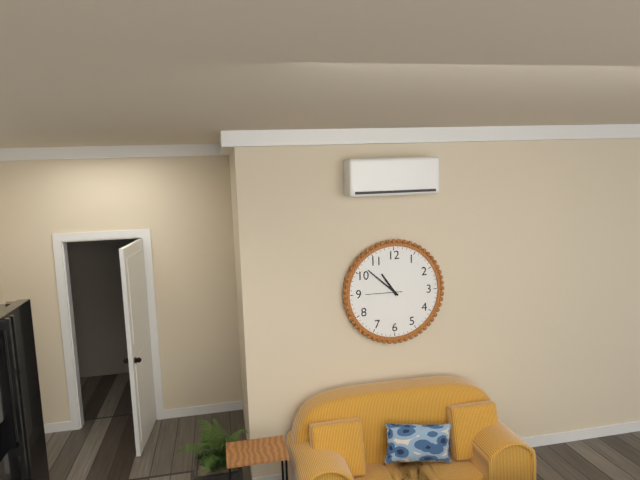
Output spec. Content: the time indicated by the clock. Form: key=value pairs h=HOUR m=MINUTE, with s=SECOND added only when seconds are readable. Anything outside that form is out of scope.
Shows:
h=10 m=52
